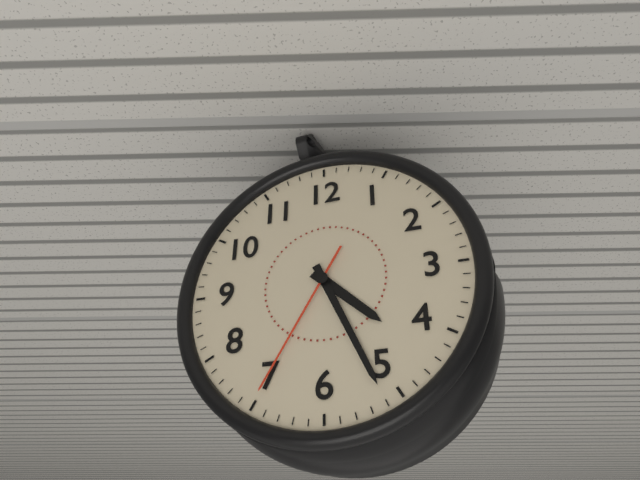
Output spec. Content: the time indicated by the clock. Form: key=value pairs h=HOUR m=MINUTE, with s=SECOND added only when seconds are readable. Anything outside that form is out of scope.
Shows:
h=4 m=26 s=35
